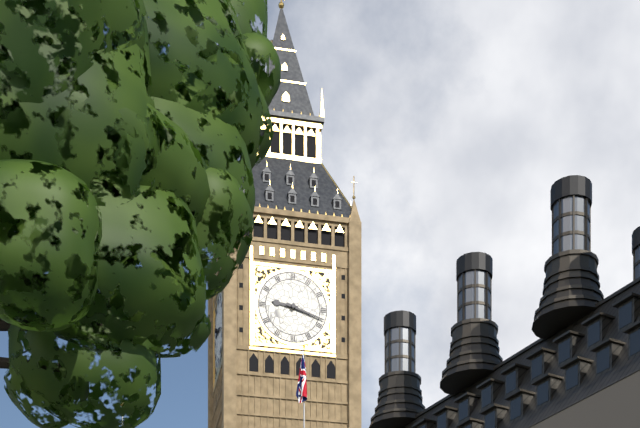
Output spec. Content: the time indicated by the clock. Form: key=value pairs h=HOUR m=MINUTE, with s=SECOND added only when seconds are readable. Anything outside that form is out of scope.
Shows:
h=9 m=18
